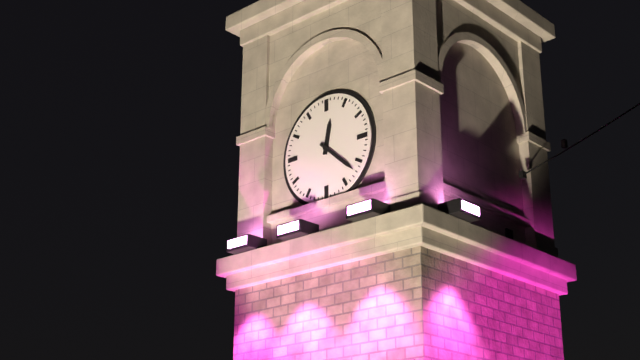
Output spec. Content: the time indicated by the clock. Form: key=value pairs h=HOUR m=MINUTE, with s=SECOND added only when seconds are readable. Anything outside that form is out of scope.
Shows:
h=12 m=22
